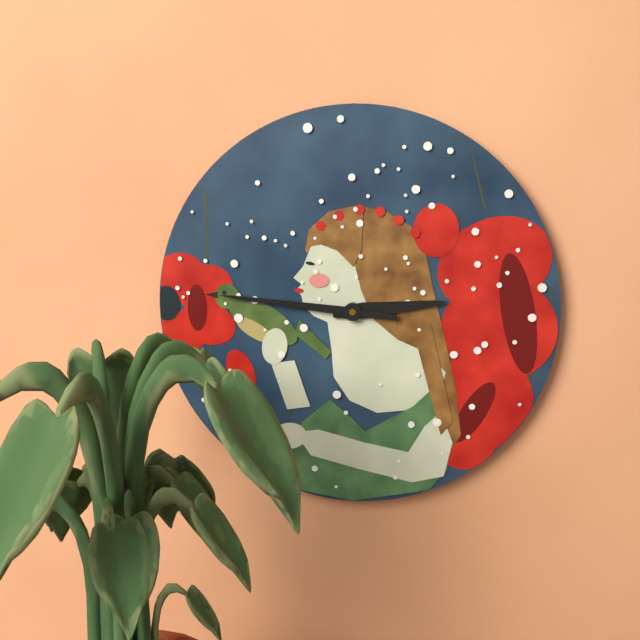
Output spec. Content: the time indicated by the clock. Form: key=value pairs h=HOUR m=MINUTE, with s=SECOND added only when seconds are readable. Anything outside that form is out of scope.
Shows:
h=2 m=46
